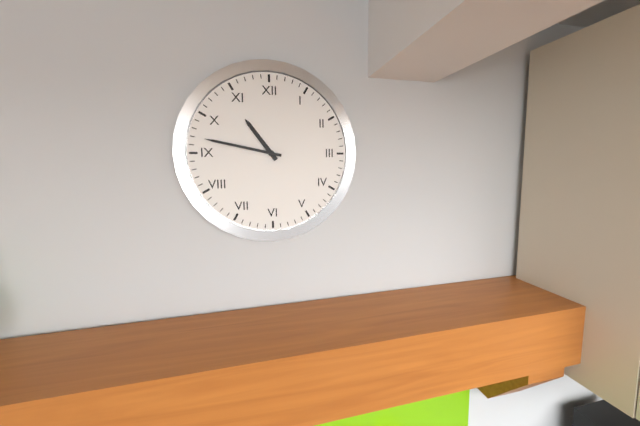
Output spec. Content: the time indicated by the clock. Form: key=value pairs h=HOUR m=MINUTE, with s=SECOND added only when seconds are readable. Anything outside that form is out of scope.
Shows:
h=10 m=47
